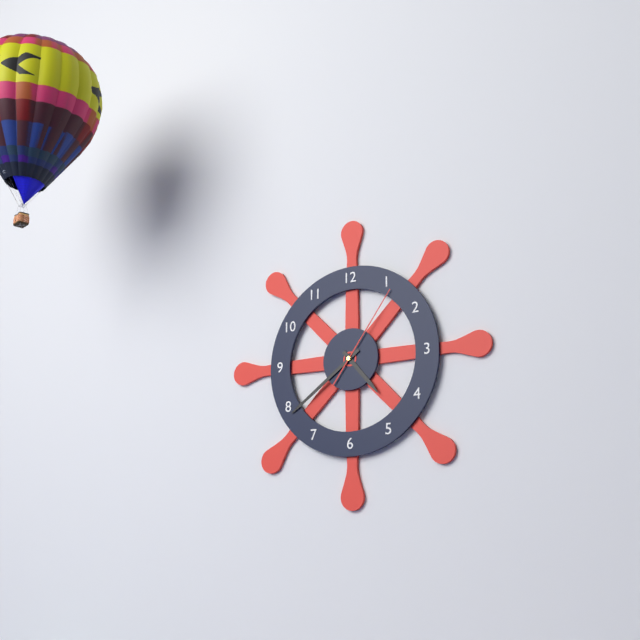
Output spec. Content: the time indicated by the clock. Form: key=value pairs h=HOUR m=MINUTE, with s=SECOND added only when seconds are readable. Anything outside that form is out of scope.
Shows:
h=4 m=39 s=6
